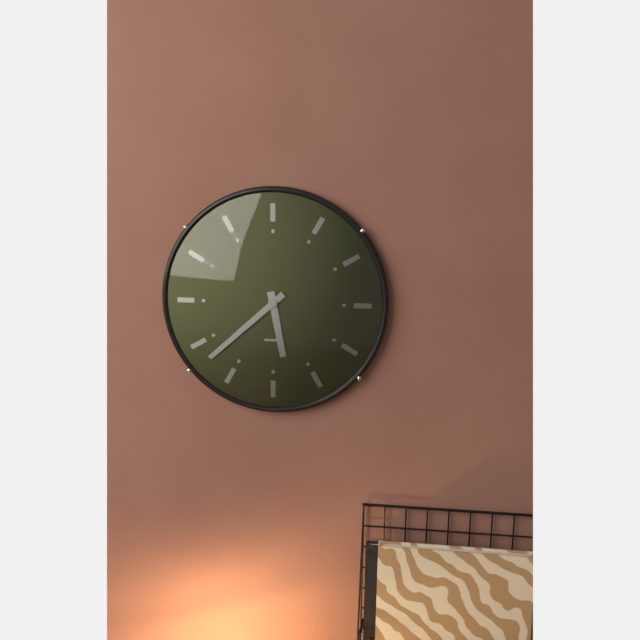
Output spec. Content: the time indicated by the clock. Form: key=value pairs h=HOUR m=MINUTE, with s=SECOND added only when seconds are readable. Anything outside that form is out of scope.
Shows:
h=5 m=38
